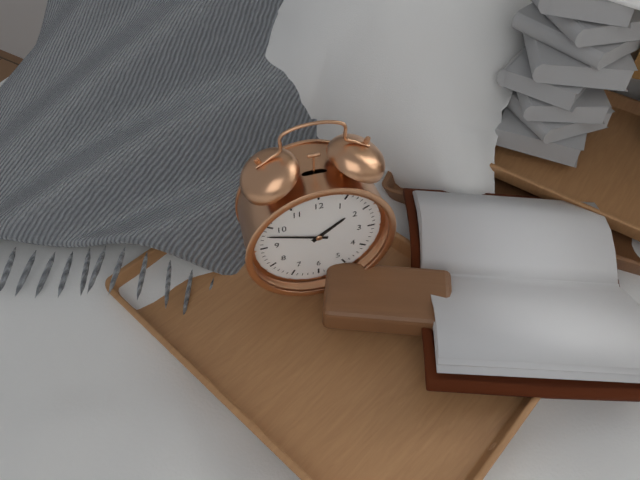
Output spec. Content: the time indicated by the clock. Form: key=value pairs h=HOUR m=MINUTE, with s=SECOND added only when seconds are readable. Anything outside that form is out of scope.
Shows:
h=1 m=48
